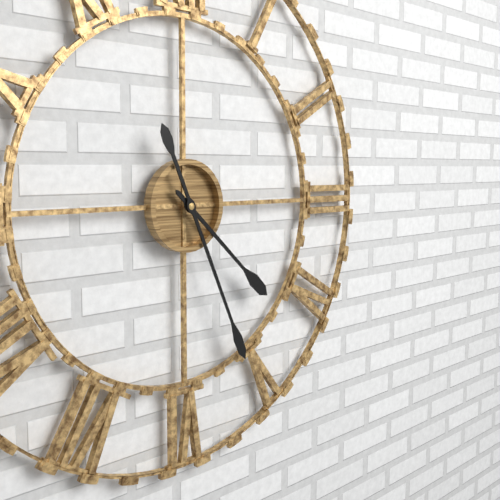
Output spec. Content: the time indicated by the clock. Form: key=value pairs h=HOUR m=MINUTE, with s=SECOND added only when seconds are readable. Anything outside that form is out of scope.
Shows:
h=4 m=26
